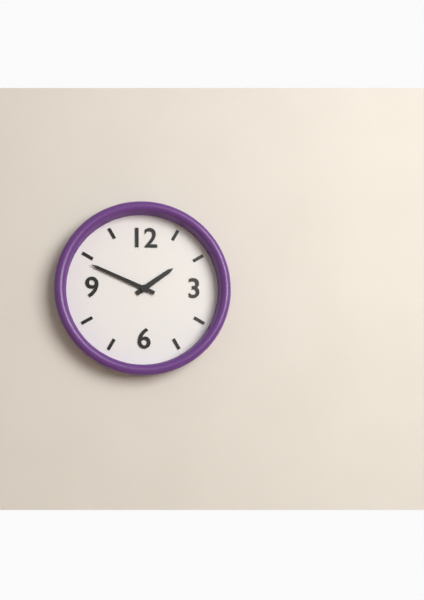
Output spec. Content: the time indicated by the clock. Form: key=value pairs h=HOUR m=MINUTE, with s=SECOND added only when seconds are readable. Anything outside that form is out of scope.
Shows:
h=1 m=49
